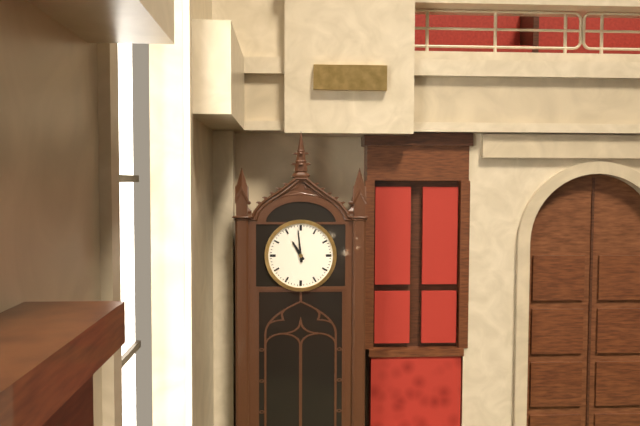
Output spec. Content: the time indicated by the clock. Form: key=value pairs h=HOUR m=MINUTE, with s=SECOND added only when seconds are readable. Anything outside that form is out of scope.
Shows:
h=10 m=59
